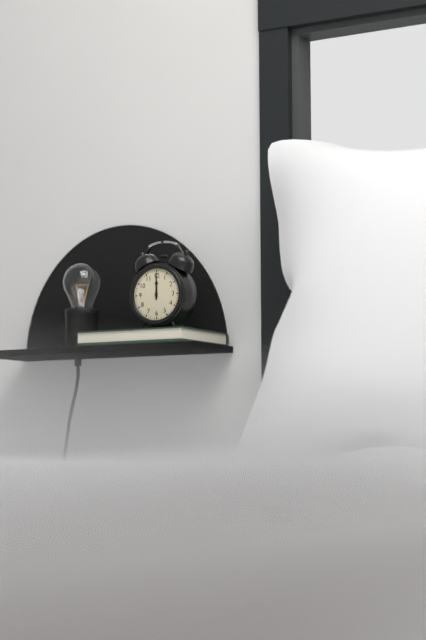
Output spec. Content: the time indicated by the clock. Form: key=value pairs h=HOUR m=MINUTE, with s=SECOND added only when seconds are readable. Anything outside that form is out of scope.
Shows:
h=12 m=0
